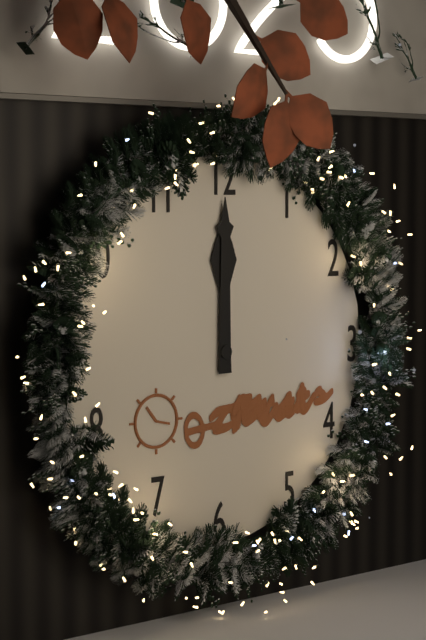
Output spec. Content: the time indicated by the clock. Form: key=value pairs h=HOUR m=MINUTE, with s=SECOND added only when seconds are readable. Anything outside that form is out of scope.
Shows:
h=12 m=0
